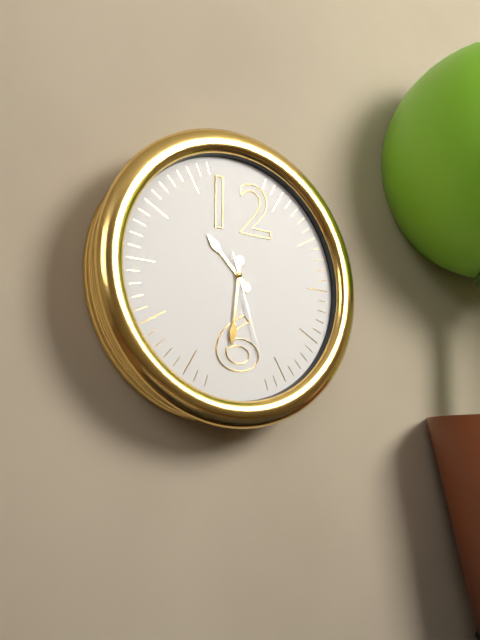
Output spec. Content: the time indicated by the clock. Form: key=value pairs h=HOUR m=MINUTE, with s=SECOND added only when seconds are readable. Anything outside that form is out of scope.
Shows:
h=10 m=31 s=27
